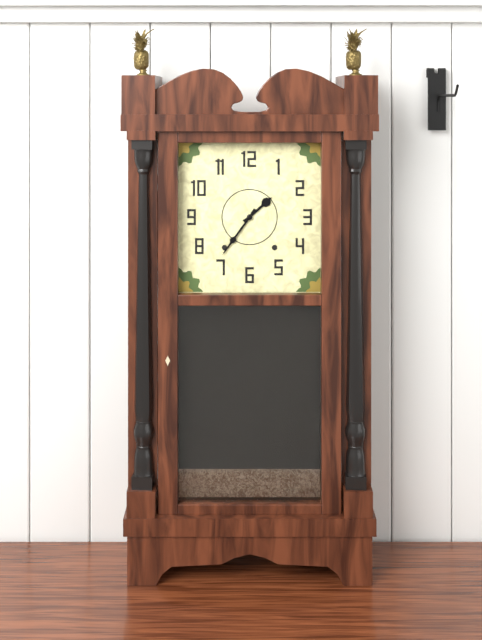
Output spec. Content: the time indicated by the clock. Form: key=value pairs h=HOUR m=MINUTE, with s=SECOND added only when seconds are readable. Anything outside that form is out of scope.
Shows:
h=1 m=36
